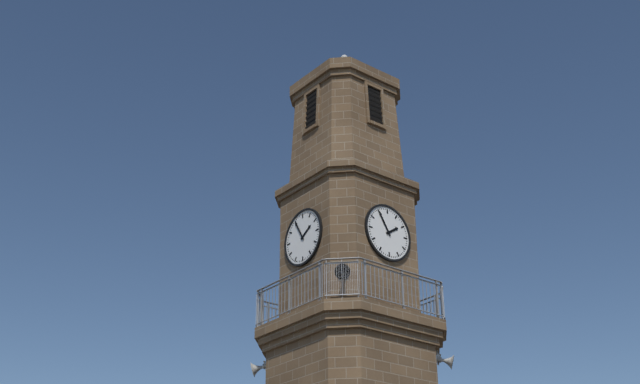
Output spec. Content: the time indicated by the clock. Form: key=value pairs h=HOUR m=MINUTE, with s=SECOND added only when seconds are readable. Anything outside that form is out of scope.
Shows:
h=1 m=55
